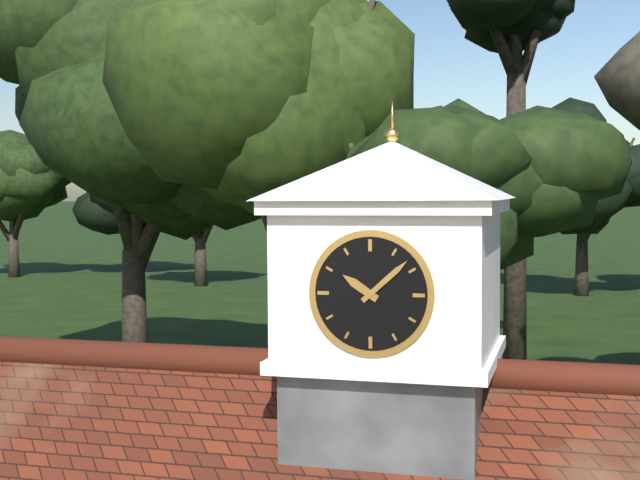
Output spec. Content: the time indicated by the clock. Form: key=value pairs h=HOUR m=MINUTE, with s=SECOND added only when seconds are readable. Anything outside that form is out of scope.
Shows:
h=10 m=8
